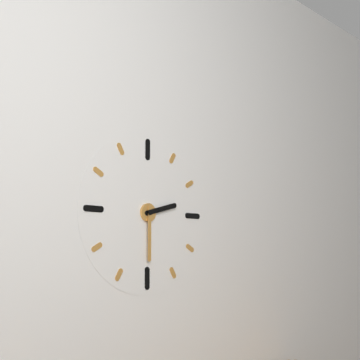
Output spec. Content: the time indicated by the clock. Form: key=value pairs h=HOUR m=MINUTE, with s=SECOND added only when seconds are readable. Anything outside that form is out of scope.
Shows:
h=2 m=30
